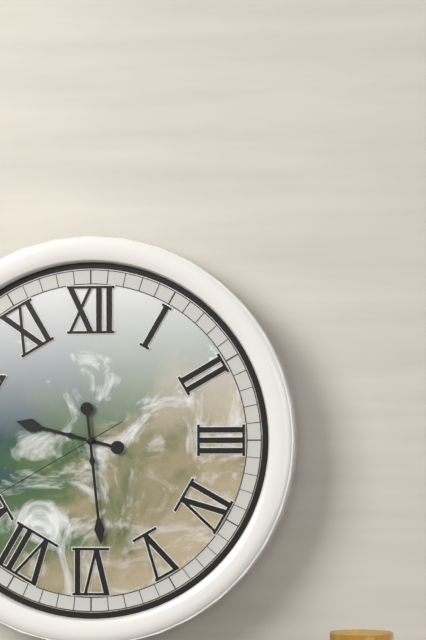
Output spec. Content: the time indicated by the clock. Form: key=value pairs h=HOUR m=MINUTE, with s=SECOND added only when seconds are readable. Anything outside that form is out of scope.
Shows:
h=9 m=29
